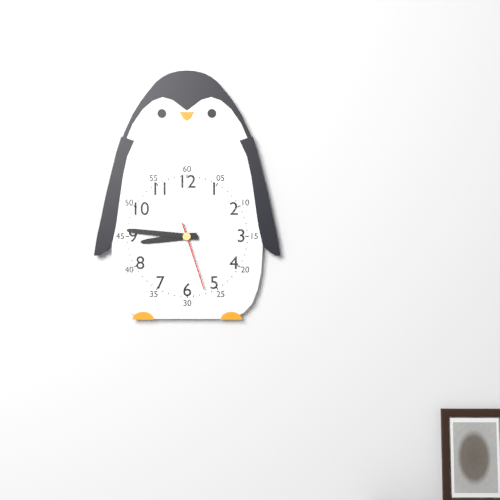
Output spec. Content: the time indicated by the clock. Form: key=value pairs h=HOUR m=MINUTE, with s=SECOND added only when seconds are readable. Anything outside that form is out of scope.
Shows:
h=8 m=46 s=27
